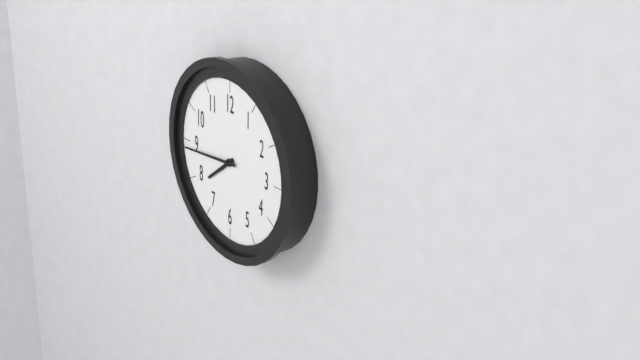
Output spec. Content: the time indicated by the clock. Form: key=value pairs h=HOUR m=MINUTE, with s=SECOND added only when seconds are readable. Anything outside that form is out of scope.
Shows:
h=7 m=44
